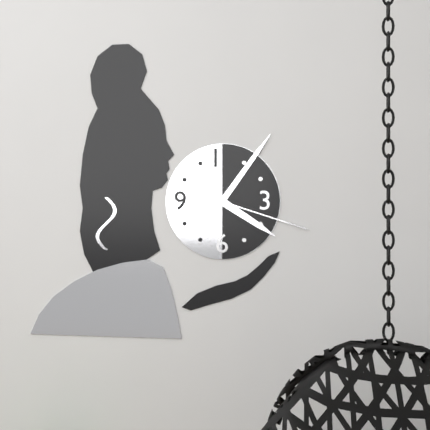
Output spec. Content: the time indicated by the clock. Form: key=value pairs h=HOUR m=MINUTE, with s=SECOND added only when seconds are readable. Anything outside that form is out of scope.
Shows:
h=4 m=6 s=18
